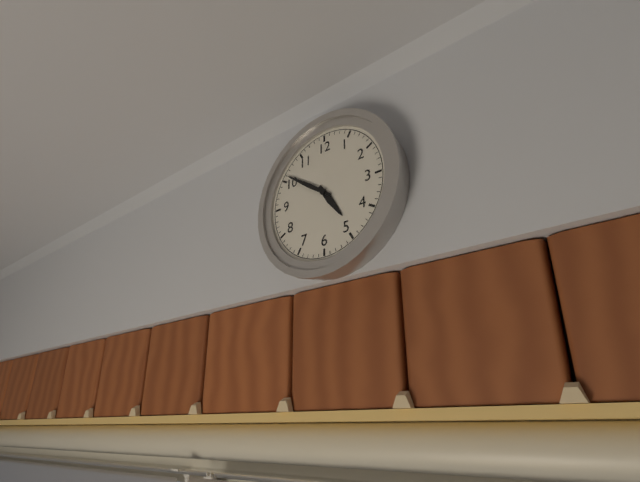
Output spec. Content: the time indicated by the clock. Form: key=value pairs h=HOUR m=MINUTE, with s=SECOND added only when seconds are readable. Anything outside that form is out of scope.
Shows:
h=4 m=51
